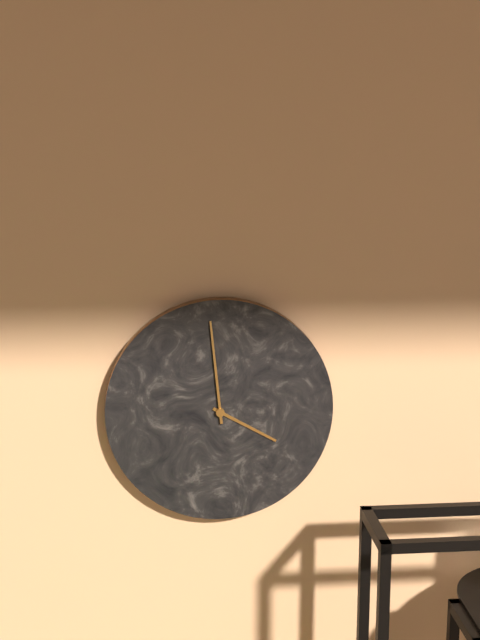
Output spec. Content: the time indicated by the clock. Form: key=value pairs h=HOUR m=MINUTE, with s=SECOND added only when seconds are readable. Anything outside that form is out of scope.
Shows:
h=3 m=59
